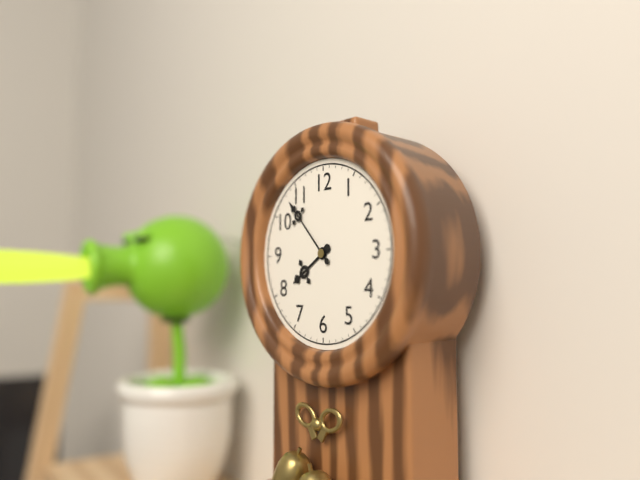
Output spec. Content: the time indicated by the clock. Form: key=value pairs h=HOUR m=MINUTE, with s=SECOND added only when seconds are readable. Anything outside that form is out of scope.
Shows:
h=7 m=53
